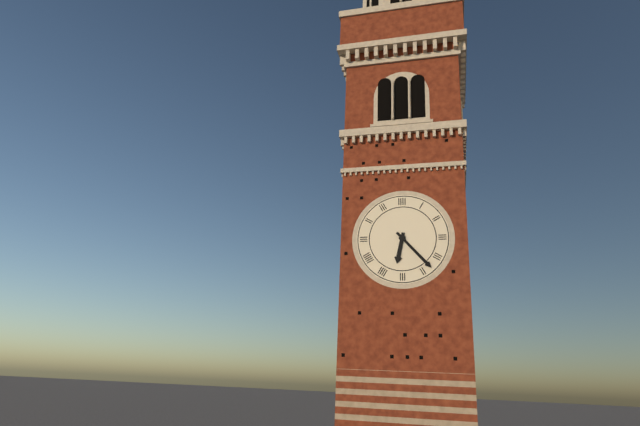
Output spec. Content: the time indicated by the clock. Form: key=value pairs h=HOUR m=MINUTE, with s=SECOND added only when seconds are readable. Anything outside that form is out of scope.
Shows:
h=6 m=23
